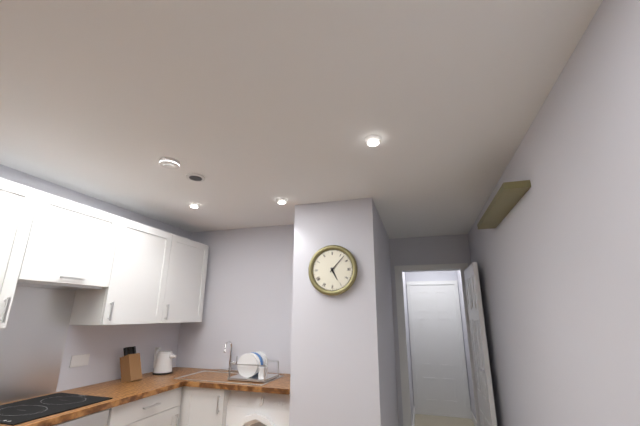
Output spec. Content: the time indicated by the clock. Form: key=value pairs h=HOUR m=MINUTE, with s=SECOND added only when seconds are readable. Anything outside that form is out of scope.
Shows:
h=5 m=7
